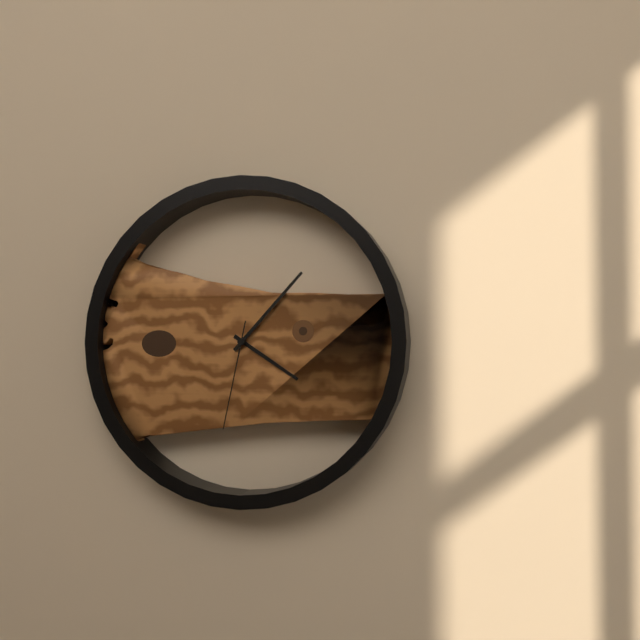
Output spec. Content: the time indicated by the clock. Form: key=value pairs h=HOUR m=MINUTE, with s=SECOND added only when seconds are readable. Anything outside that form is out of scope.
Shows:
h=4 m=7 s=32
